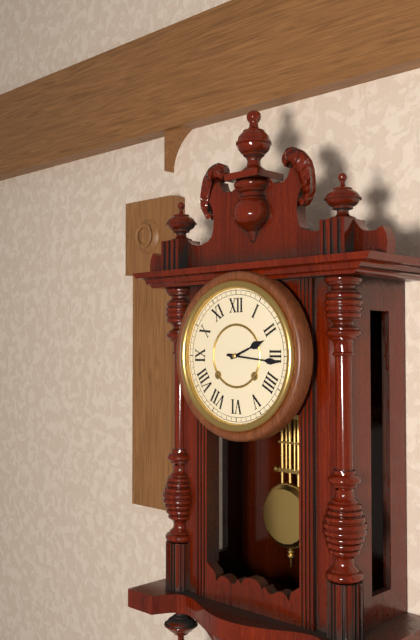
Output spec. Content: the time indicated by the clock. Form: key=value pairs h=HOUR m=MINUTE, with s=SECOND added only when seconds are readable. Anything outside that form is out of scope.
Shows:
h=2 m=16
